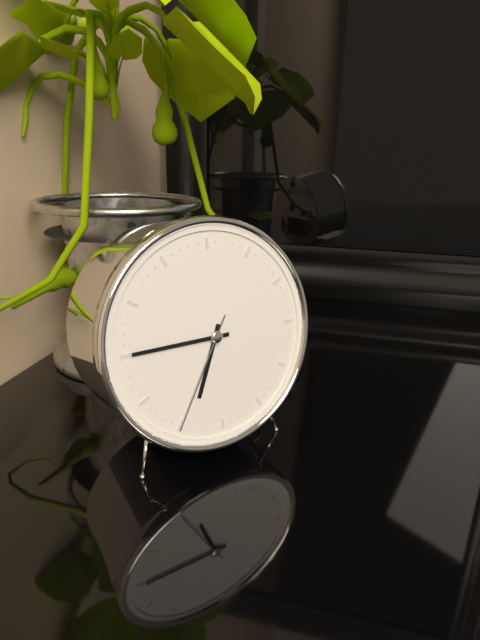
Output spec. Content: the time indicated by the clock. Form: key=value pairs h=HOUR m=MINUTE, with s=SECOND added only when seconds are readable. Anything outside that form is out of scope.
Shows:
h=6 m=45 s=35
